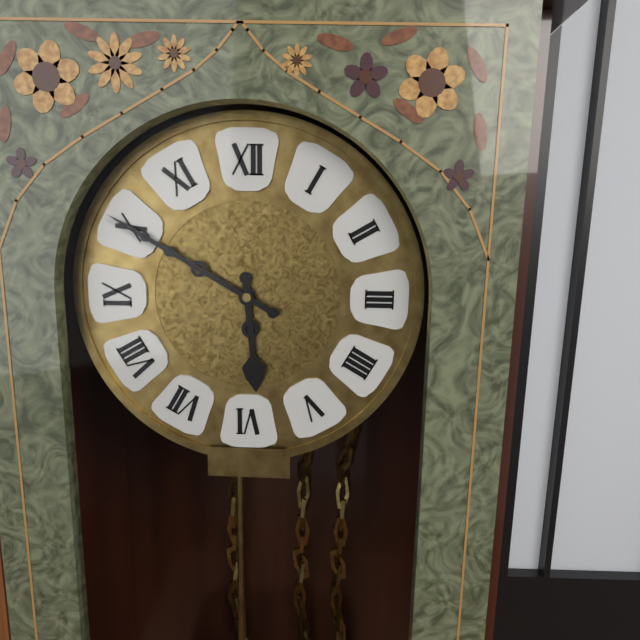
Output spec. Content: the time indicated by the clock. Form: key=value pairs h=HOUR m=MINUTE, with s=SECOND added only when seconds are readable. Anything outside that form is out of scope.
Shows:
h=5 m=50
